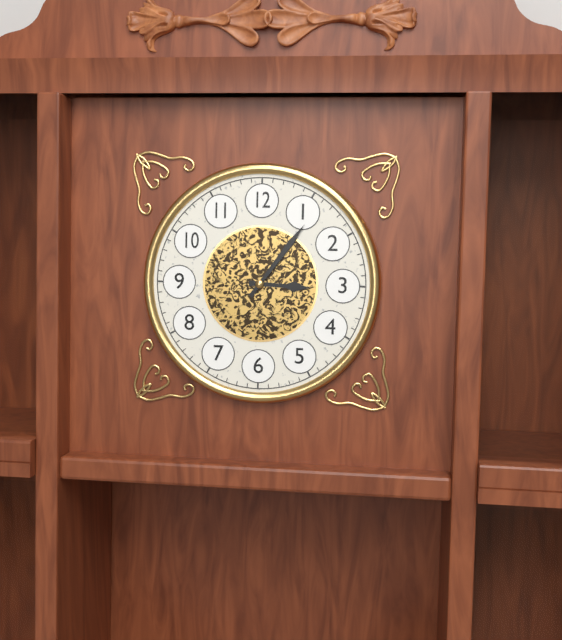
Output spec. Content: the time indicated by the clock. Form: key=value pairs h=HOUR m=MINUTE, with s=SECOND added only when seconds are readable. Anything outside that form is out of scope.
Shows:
h=3 m=6
